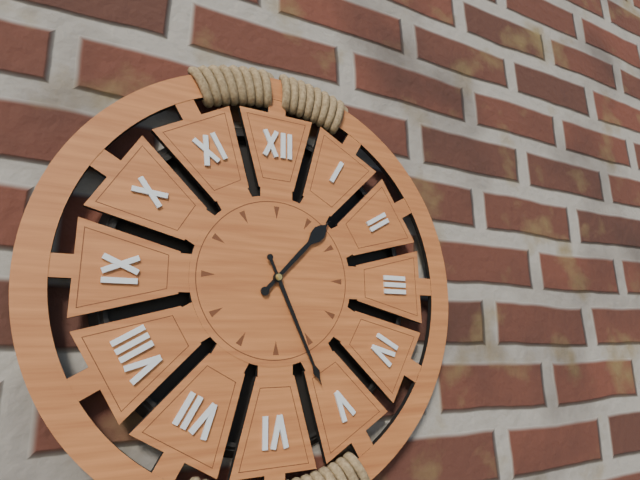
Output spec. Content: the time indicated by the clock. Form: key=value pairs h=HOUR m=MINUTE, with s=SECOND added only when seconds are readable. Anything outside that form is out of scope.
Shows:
h=1 m=26
